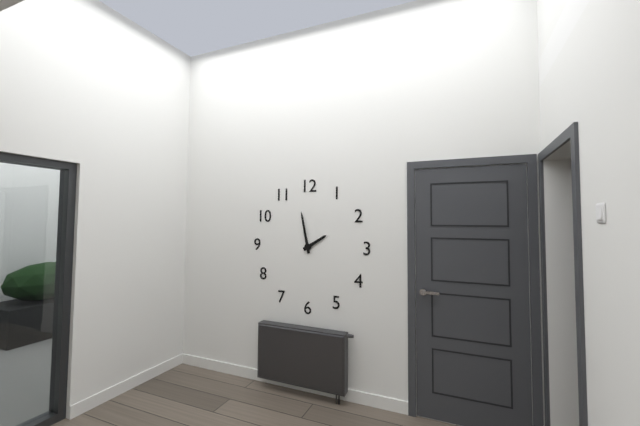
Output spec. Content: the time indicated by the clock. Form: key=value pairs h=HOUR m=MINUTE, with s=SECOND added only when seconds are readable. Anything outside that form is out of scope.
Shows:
h=1 m=58
